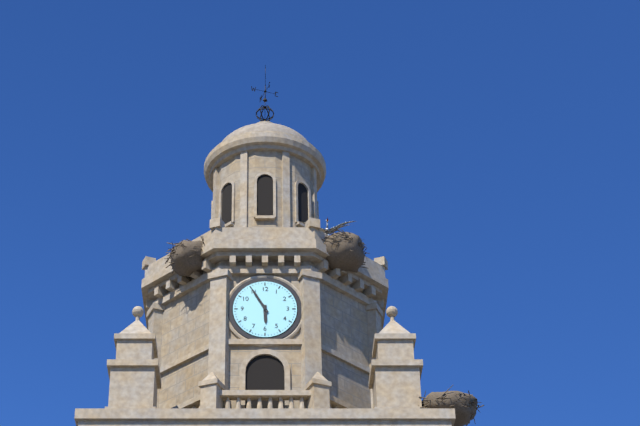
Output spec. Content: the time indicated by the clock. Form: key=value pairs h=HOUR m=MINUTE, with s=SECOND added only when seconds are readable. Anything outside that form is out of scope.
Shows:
h=5 m=55
